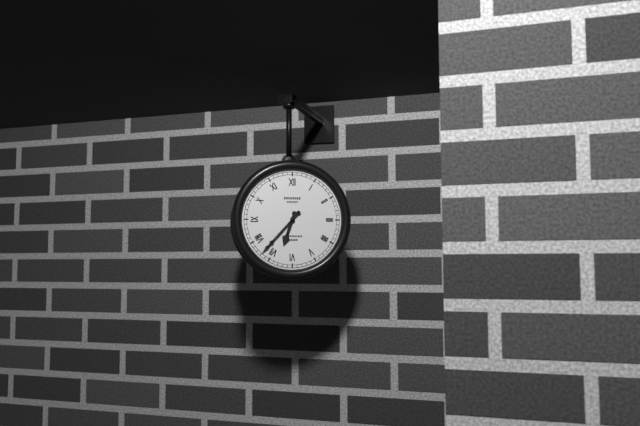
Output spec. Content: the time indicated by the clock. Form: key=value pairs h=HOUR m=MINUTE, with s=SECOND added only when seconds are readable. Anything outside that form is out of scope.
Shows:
h=6 m=37
